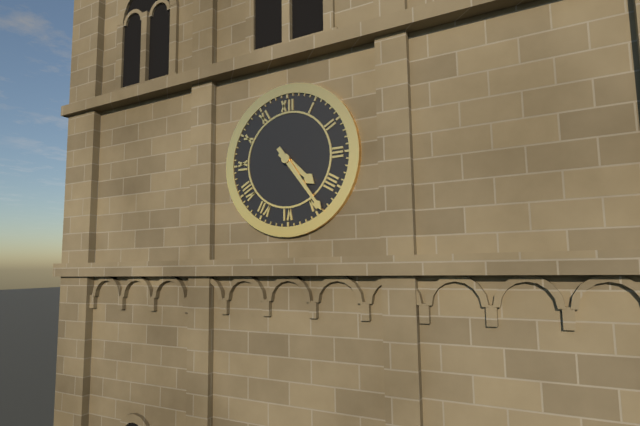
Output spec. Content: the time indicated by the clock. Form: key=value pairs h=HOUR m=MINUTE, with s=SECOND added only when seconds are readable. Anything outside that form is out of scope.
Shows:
h=4 m=24
